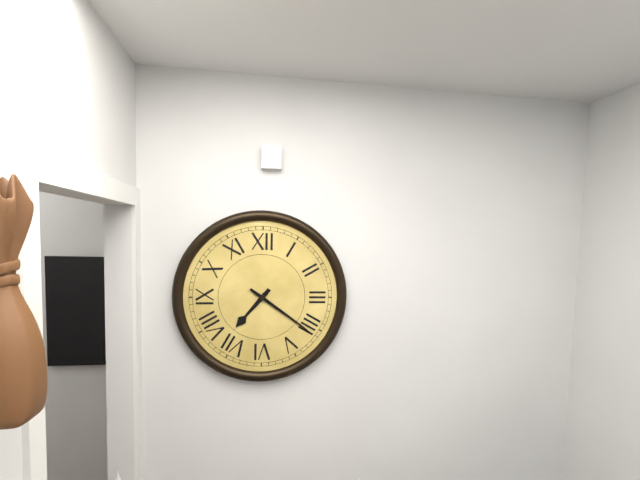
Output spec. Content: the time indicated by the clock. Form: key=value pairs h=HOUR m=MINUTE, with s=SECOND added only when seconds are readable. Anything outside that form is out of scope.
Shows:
h=7 m=21
